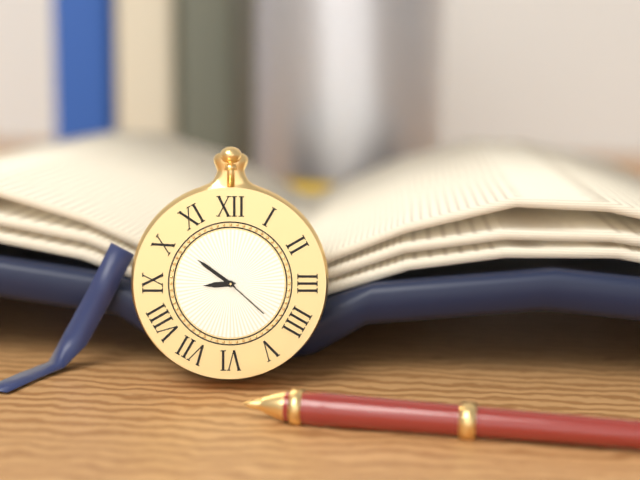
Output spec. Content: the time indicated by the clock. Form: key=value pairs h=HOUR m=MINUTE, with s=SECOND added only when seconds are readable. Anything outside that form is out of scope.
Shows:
h=8 m=51 s=22
